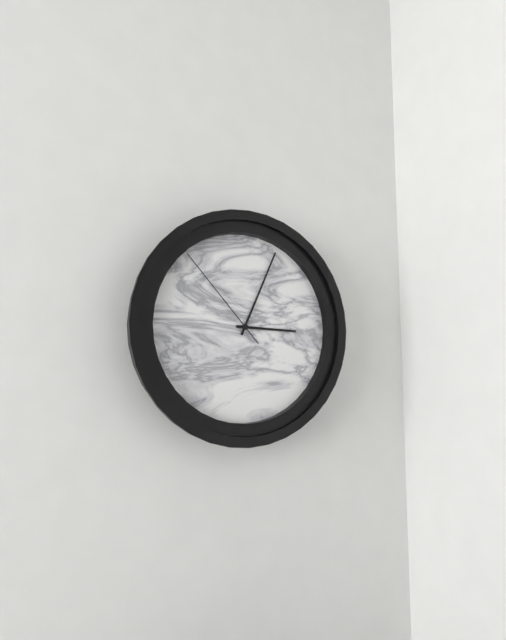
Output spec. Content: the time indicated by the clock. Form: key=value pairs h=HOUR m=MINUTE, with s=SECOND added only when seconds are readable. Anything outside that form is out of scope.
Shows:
h=3 m=4 s=53
